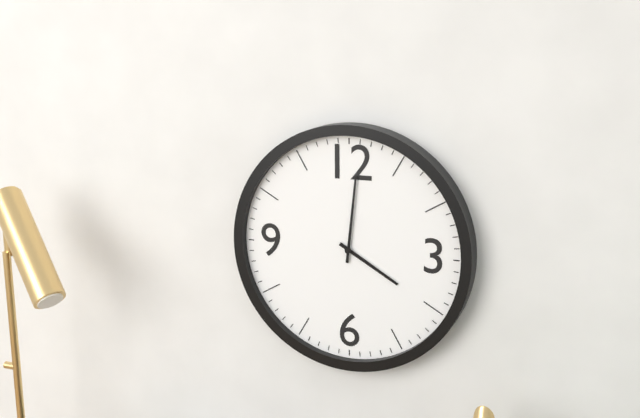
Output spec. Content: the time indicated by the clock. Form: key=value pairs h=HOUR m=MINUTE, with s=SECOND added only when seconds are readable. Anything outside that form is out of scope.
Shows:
h=4 m=1
